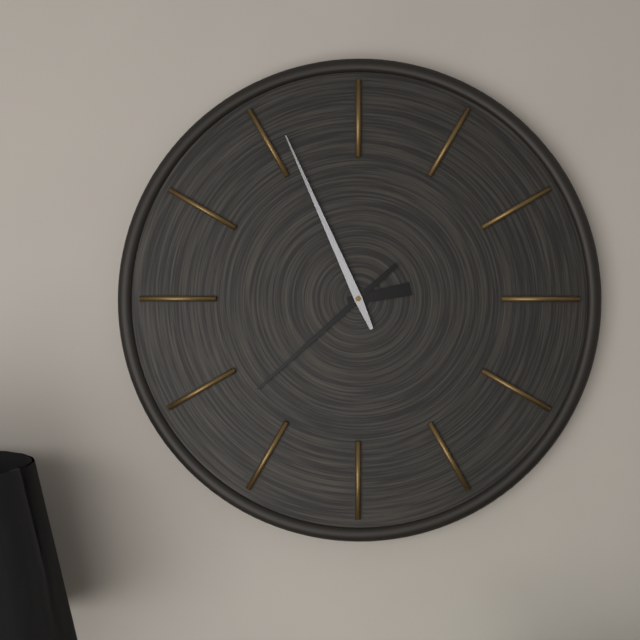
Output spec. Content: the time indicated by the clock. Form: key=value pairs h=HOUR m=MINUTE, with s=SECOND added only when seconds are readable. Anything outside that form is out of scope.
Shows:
h=2 m=38 s=56
